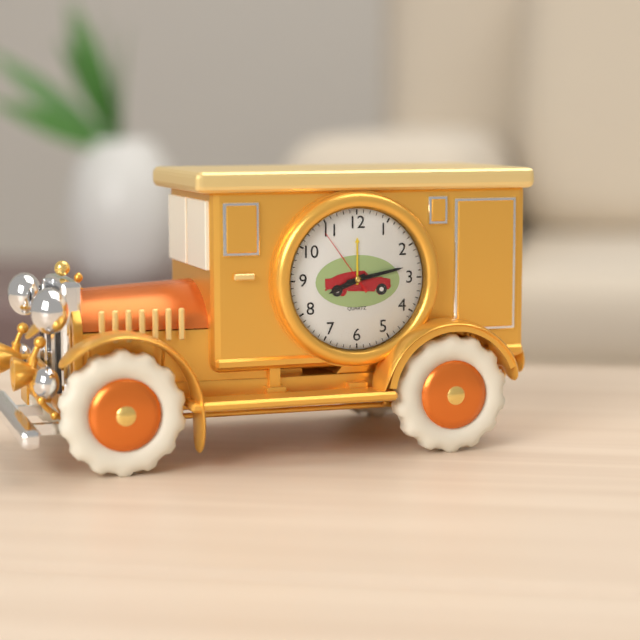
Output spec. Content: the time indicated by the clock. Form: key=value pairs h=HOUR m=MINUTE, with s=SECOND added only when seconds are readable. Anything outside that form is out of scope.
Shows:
h=8 m=13 s=54
